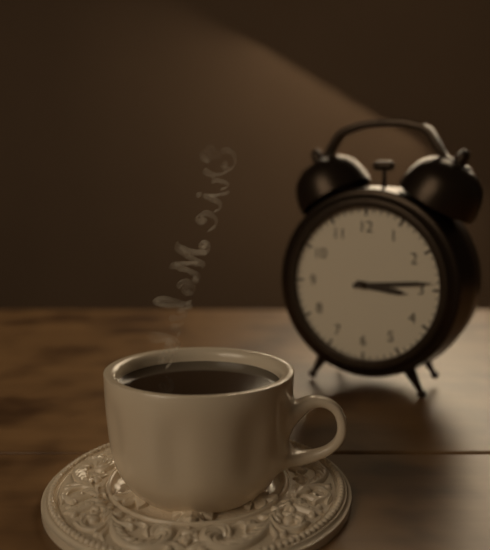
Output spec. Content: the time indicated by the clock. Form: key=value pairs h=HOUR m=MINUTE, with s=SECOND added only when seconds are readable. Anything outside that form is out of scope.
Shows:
h=3 m=14
